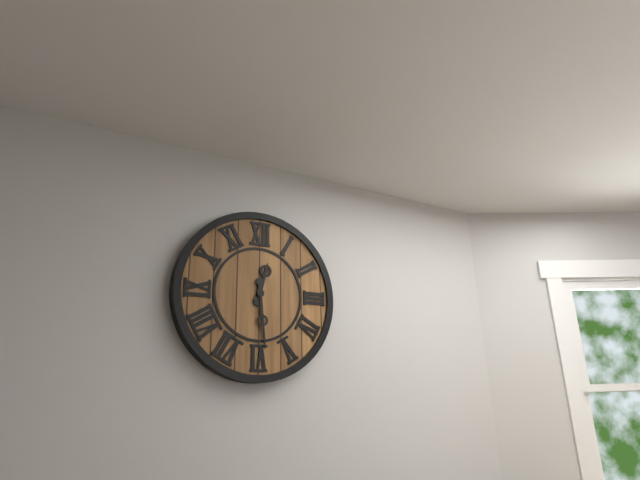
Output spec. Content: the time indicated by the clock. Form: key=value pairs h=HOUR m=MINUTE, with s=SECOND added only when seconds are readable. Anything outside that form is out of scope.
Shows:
h=12 m=29
